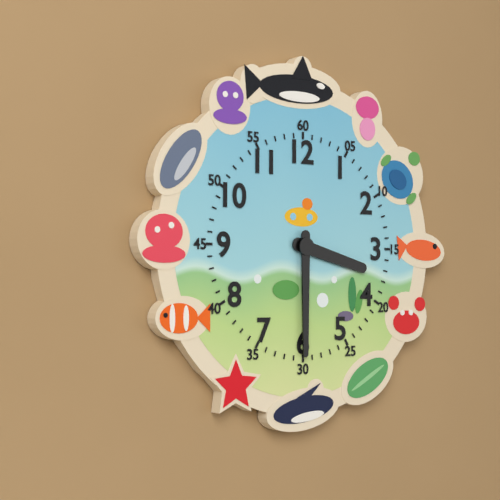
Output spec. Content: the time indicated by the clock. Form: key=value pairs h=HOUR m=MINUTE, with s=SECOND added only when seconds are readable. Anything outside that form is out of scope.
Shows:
h=3 m=30
